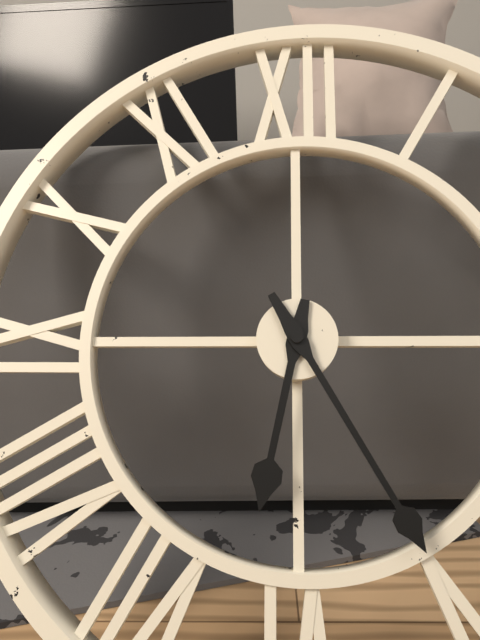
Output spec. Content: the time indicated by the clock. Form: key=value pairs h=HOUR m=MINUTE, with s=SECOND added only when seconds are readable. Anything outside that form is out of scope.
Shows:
h=6 m=25
